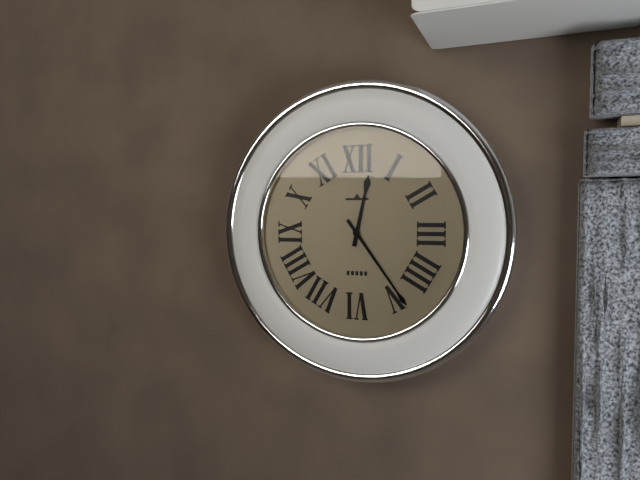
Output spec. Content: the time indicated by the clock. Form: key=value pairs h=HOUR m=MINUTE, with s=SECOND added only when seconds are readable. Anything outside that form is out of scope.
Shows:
h=12 m=24
